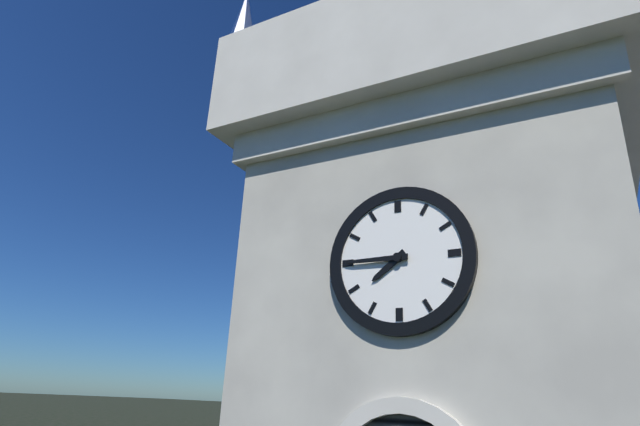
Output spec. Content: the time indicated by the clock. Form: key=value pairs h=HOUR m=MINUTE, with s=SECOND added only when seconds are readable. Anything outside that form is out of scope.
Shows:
h=7 m=45
